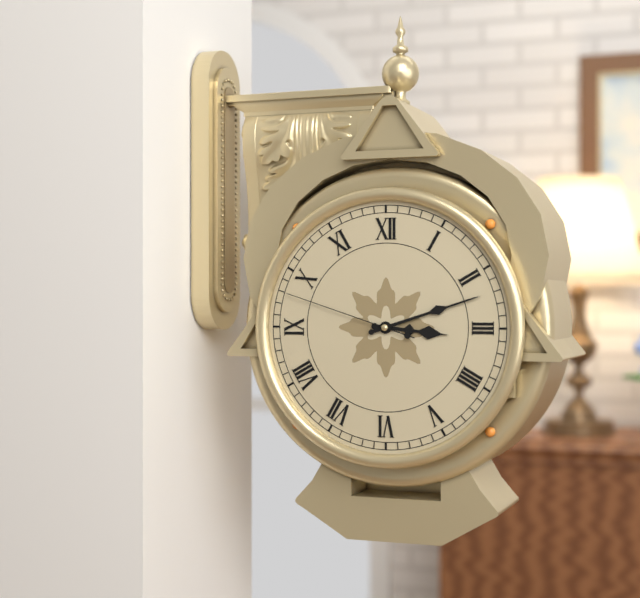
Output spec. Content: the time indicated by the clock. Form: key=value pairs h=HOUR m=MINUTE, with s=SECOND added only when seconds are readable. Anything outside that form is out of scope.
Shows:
h=3 m=12 s=48
